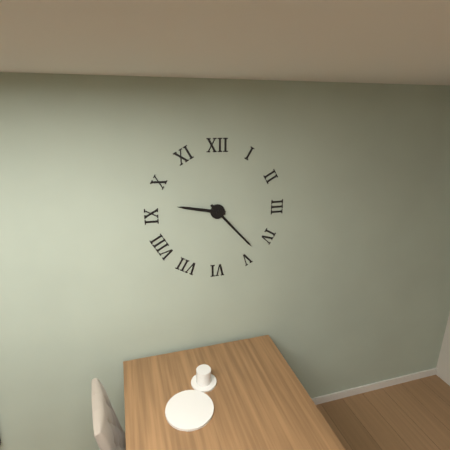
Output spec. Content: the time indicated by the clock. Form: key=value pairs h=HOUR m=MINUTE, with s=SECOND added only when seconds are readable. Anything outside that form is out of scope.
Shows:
h=9 m=23
